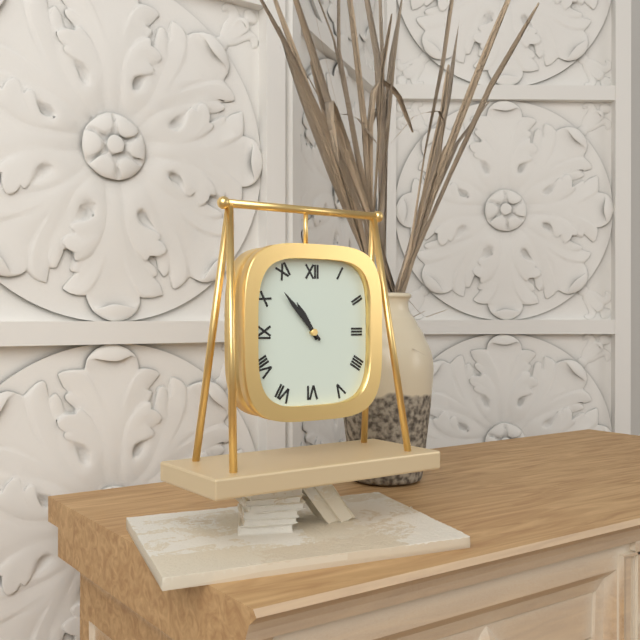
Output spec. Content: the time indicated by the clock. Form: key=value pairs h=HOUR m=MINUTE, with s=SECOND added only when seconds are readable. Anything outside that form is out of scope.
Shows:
h=10 m=53
